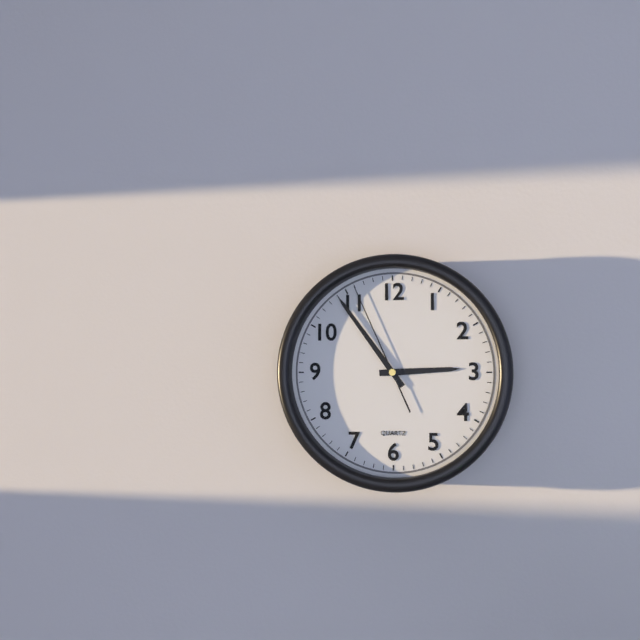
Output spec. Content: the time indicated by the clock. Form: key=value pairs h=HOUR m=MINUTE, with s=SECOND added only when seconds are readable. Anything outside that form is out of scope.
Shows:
h=2 m=54 s=56
